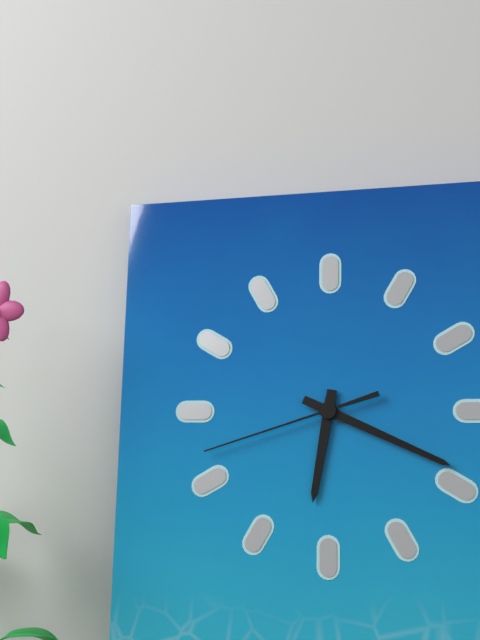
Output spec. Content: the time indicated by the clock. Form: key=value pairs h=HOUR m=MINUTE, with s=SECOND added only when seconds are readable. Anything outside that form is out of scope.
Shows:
h=6 m=19 s=42
